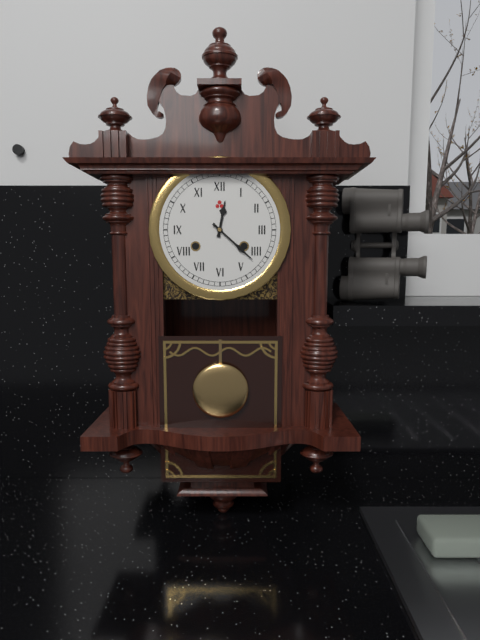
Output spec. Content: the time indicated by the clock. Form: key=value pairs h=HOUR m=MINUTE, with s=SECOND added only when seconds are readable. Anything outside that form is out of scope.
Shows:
h=12 m=22
